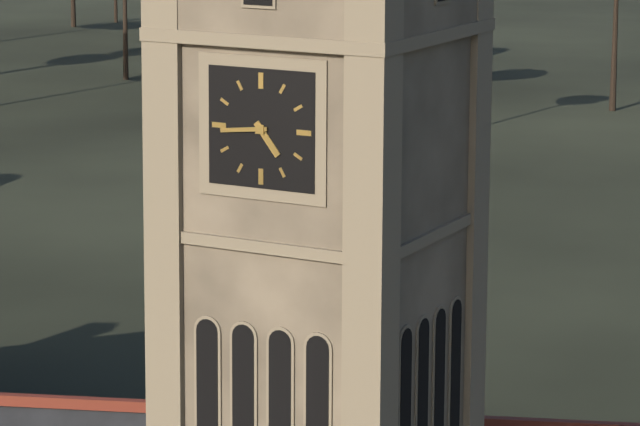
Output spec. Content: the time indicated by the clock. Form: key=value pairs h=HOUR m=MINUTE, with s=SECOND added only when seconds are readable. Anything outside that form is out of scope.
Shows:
h=4 m=44
